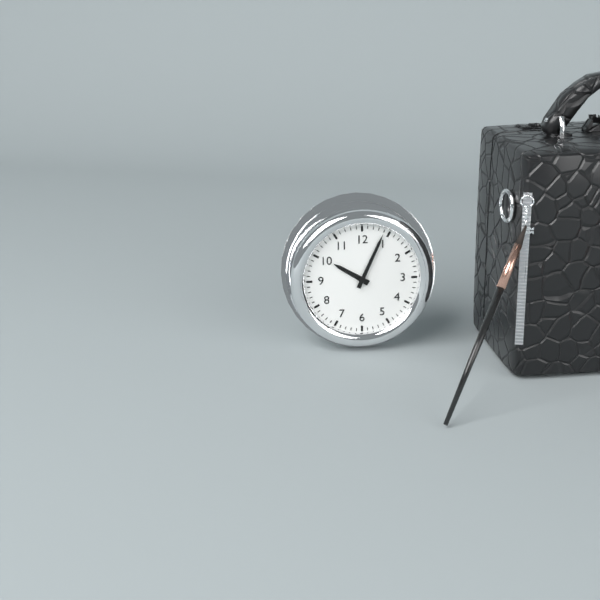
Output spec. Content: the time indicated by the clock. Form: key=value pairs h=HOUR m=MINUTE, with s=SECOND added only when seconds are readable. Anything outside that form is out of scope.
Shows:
h=10 m=4
